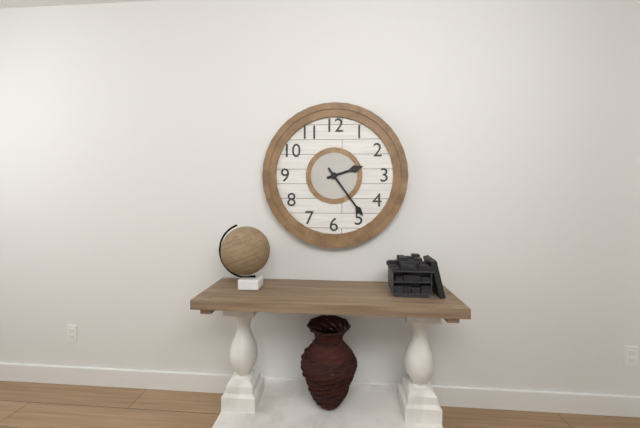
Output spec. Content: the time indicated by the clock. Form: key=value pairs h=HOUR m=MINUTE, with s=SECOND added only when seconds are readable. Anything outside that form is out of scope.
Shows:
h=2 m=24
